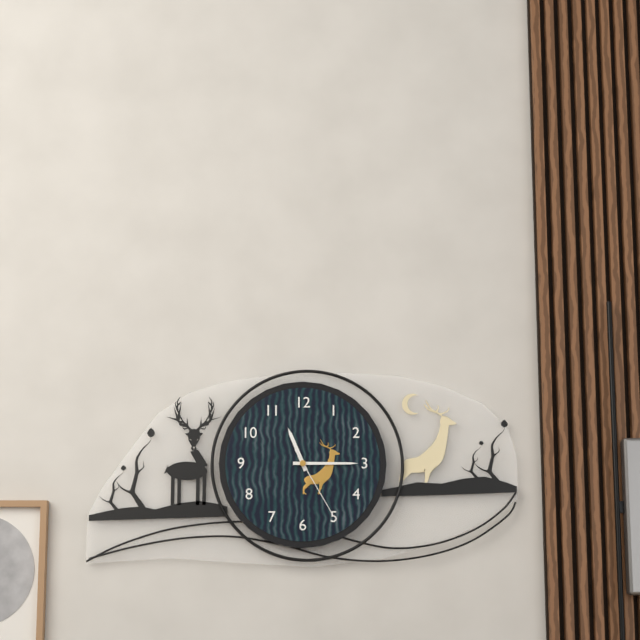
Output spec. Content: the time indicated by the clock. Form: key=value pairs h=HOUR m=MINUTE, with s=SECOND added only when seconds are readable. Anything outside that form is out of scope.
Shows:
h=11 m=15 s=25
